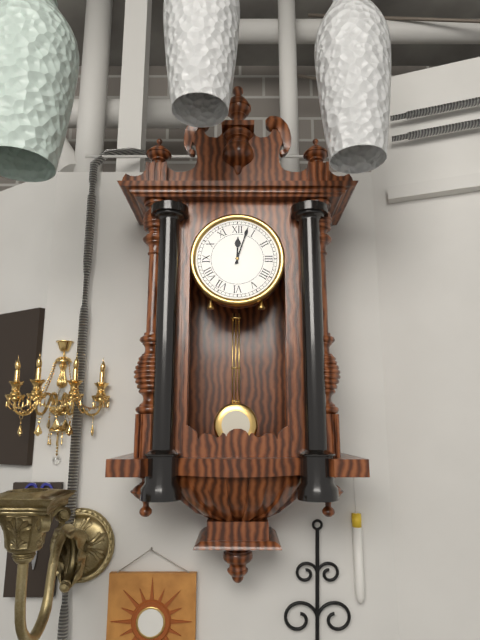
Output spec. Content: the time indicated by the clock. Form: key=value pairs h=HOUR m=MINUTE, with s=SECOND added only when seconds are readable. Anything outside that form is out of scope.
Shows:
h=12 m=3
